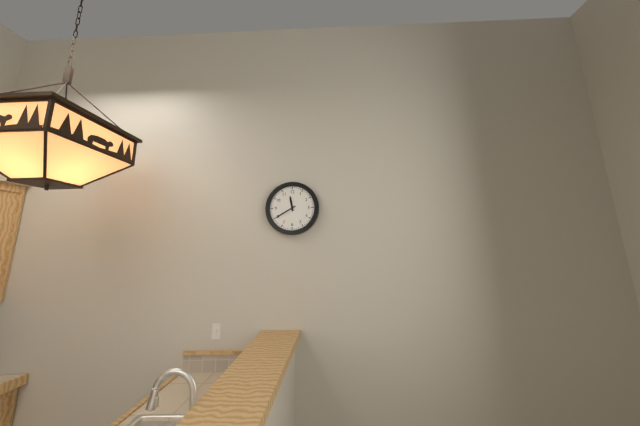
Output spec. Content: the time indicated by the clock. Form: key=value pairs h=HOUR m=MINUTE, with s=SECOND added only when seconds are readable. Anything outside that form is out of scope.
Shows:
h=11 m=40
